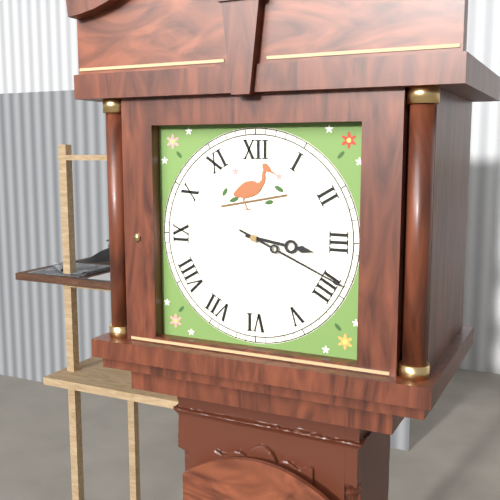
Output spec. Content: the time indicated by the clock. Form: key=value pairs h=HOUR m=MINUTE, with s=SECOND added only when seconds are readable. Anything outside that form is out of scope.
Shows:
h=3 m=19
